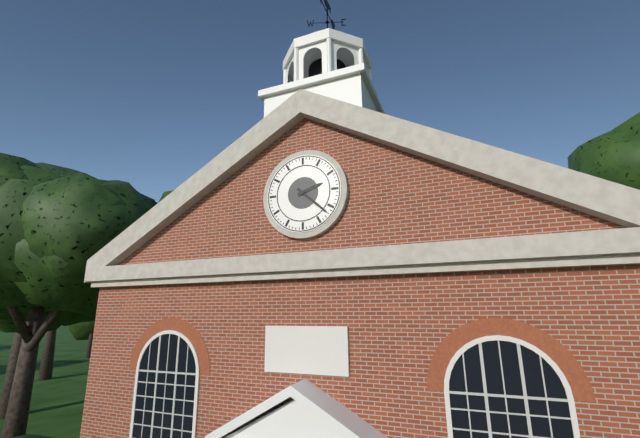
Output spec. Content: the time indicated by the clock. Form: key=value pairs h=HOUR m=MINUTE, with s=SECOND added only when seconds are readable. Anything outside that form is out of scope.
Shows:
h=2 m=22
